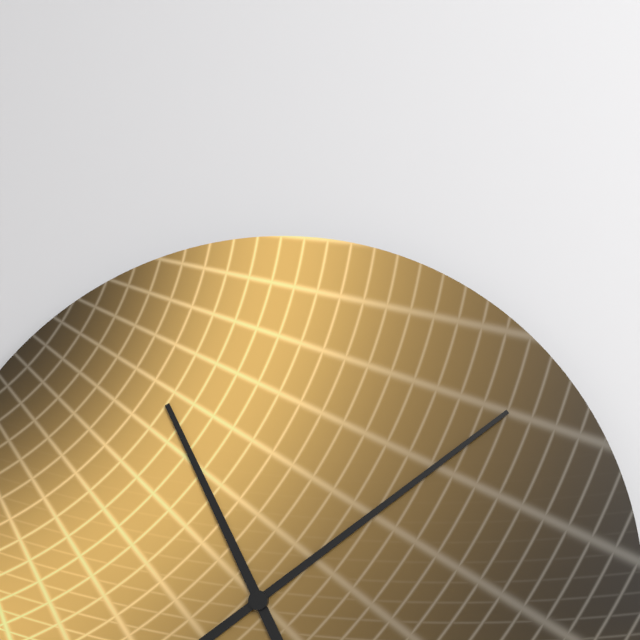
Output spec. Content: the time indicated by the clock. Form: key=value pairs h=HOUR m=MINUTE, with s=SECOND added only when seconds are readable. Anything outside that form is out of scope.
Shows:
h=11 m=9
